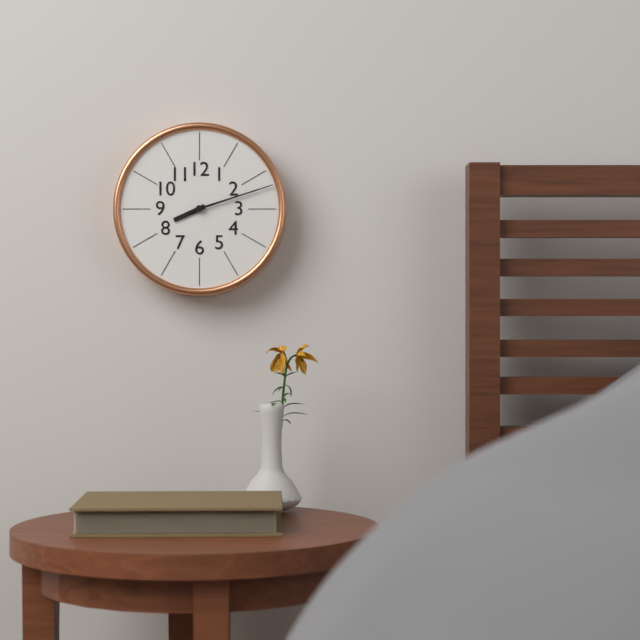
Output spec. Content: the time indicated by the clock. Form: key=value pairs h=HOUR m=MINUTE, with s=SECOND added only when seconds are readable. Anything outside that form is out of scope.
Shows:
h=8 m=12
